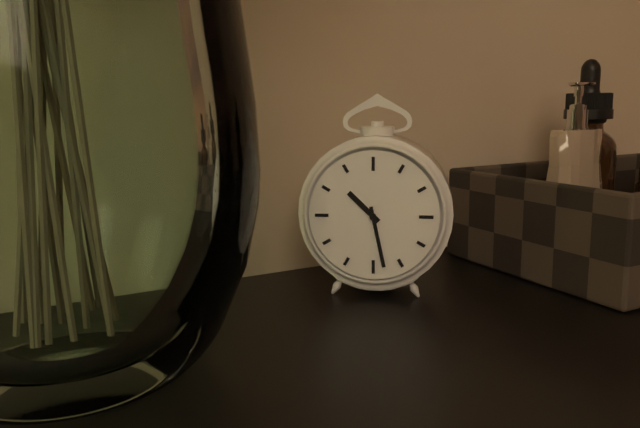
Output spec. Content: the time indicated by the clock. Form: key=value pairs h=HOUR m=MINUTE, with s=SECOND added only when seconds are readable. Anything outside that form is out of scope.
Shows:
h=10 m=28
